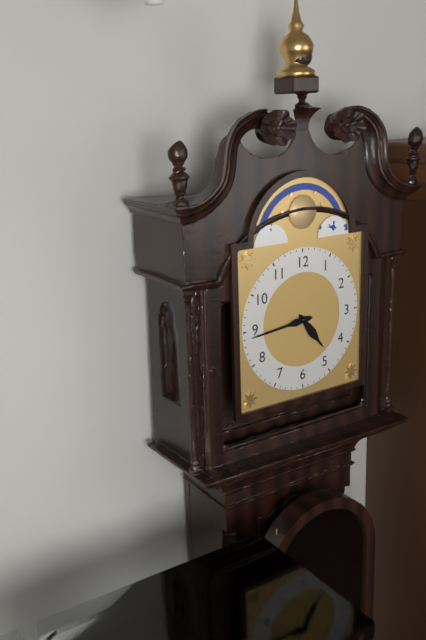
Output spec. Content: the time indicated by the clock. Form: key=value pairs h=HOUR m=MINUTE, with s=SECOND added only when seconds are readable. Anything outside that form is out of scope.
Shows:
h=4 m=44
